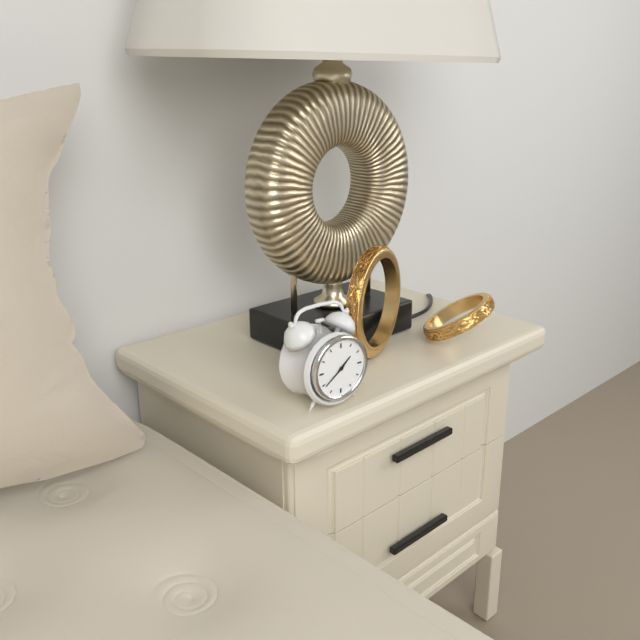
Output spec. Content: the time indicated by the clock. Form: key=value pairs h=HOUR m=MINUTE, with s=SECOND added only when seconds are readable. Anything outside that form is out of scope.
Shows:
h=1 m=39
